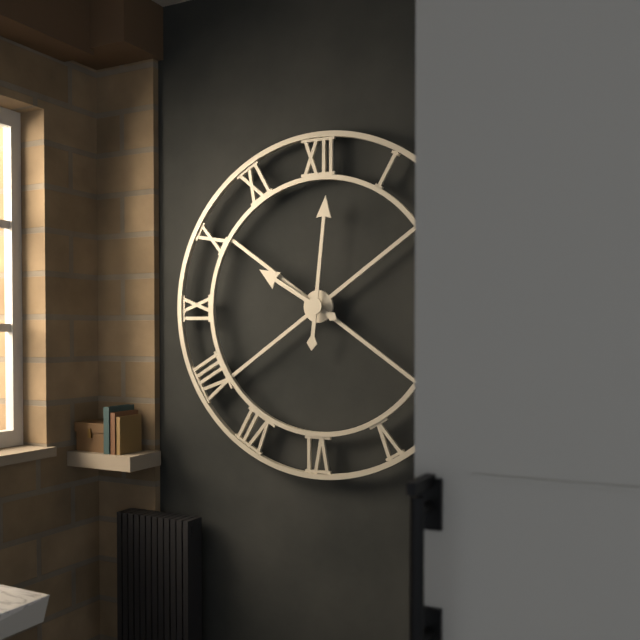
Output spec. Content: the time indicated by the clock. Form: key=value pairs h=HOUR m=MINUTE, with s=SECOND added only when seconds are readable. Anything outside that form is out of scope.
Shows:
h=10 m=1
